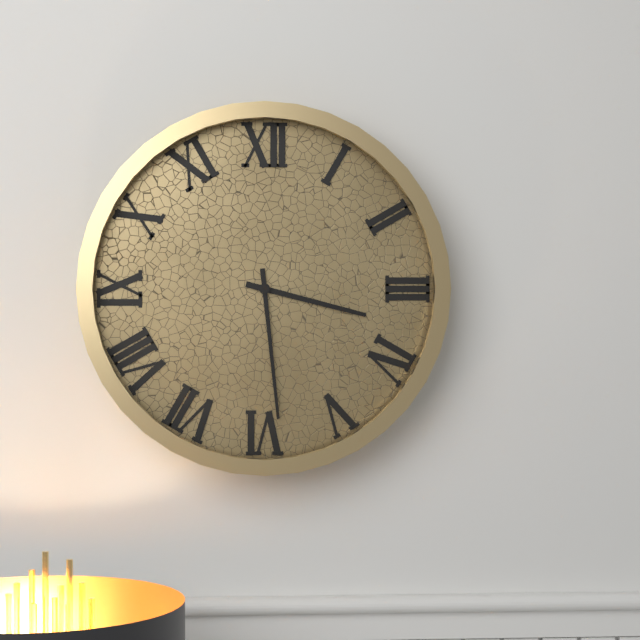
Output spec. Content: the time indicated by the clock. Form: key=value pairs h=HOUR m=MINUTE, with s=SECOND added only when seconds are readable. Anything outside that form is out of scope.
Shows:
h=3 m=29
